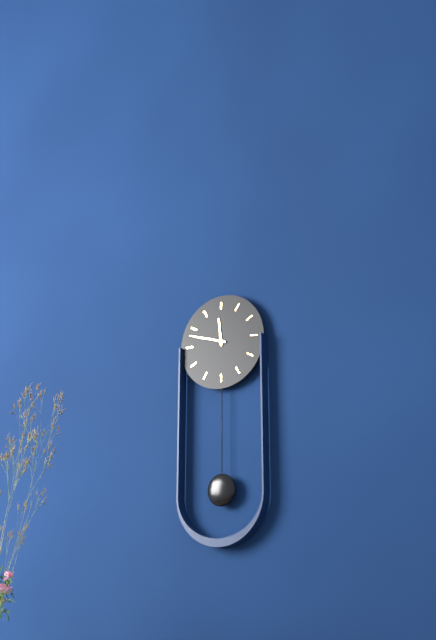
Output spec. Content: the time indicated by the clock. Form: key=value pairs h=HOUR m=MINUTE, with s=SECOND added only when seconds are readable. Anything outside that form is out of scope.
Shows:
h=11 m=48
